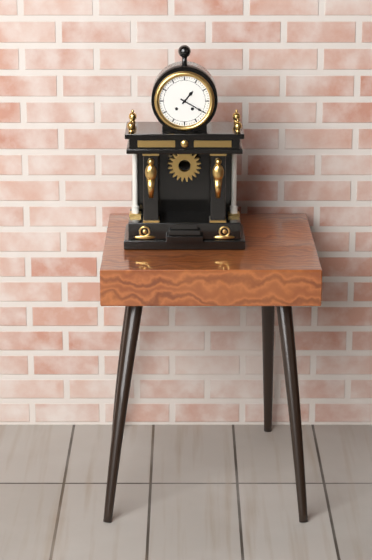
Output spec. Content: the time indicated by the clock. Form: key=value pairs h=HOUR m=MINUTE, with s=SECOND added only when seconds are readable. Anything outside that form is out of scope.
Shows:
h=1 m=20
